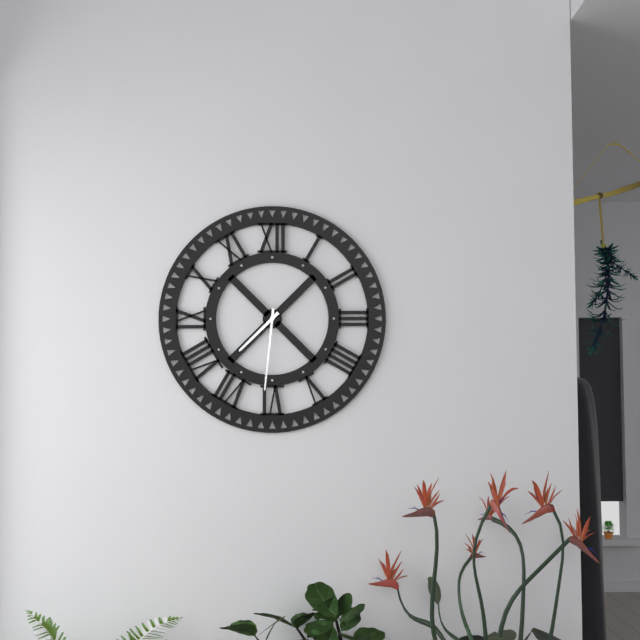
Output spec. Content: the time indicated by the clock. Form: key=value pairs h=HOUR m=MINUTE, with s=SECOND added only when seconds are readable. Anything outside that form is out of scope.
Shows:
h=7 m=31
